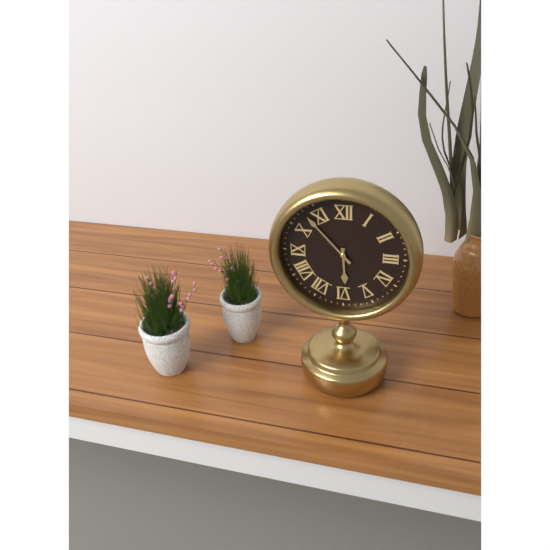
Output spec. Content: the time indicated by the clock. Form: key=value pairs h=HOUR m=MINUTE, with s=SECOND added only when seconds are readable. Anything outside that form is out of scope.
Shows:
h=5 m=53
